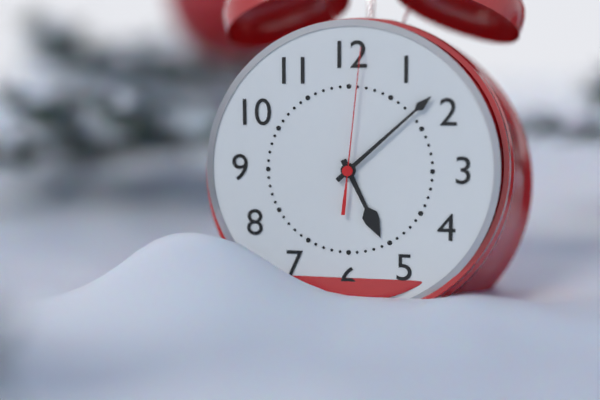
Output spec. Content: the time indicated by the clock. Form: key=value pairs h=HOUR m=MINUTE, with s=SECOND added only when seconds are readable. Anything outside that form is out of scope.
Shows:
h=5 m=8 s=1
